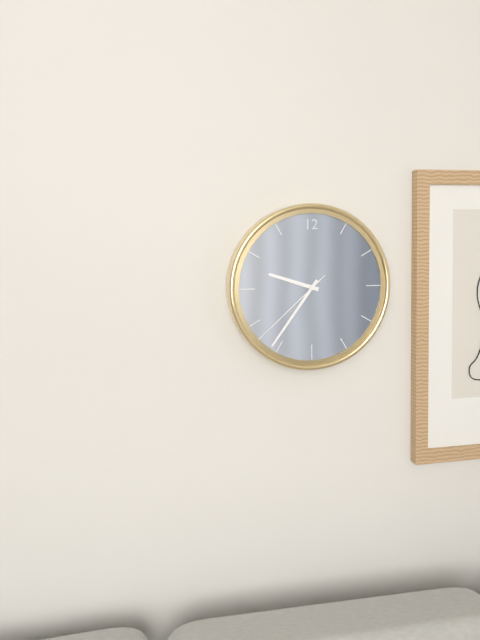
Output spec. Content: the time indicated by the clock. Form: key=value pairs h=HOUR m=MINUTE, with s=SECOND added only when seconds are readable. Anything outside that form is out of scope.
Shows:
h=9 m=36 s=38
